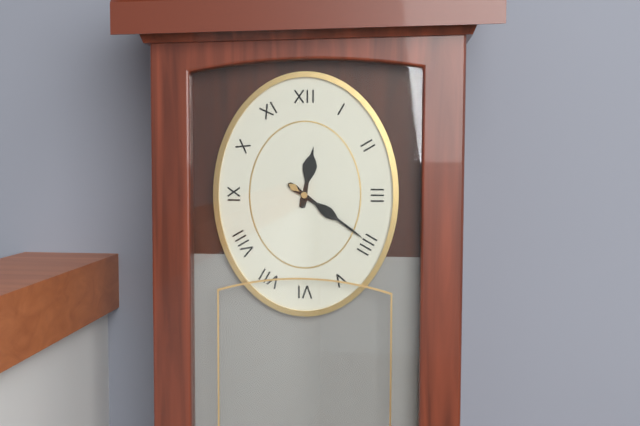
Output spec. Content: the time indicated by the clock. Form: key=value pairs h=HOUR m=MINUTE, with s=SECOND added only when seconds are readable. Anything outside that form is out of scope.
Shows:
h=12 m=21
